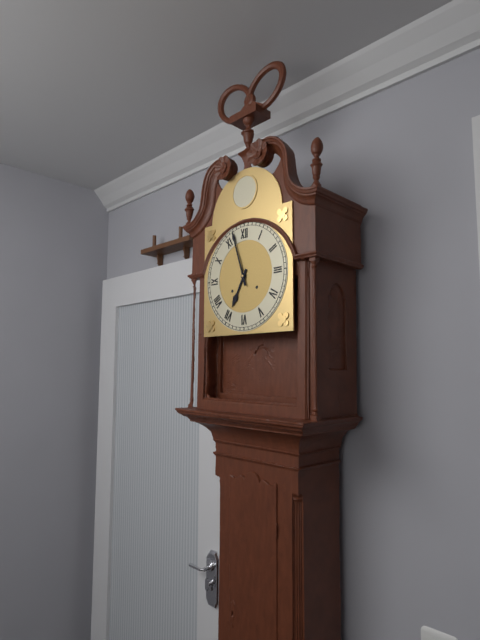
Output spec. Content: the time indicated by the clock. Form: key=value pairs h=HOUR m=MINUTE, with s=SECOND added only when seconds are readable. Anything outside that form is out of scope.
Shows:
h=6 m=57
